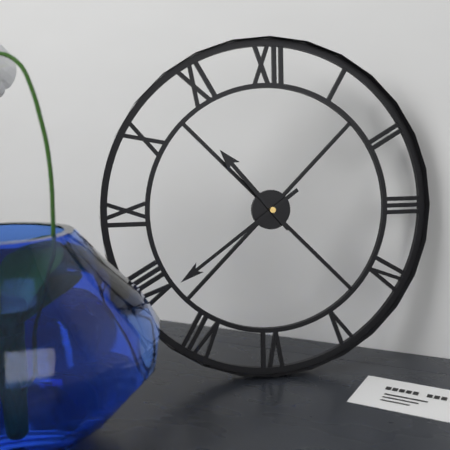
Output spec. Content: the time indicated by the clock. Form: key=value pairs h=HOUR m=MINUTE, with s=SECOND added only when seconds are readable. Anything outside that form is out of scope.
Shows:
h=10 m=39
